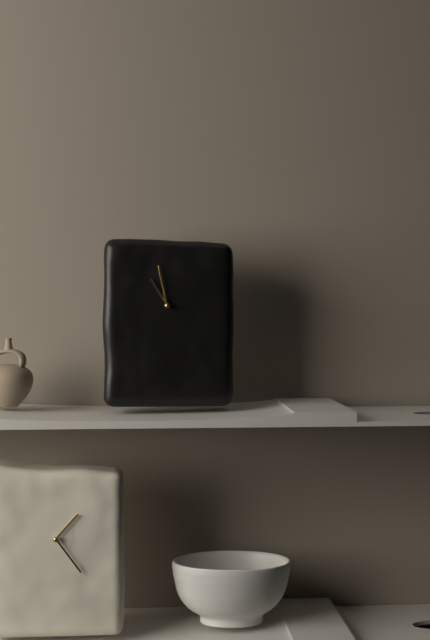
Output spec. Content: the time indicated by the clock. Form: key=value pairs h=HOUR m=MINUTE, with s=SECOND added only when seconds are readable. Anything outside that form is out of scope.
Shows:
h=10 m=58
